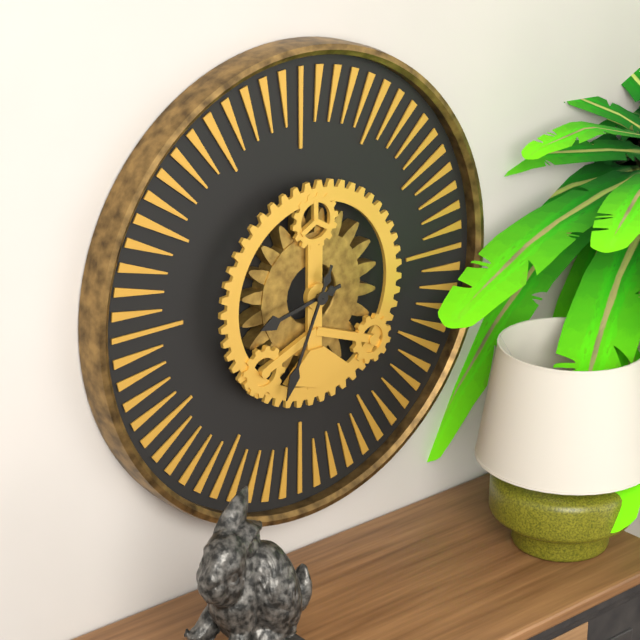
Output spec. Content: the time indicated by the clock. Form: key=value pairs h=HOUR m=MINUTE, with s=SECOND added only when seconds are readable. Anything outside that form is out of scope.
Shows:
h=8 m=34
